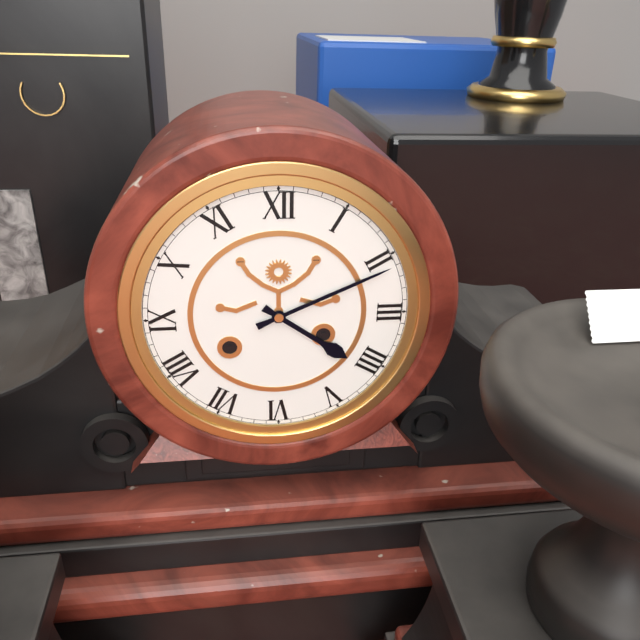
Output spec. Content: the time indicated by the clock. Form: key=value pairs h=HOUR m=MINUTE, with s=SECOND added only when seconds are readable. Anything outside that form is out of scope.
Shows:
h=4 m=11
